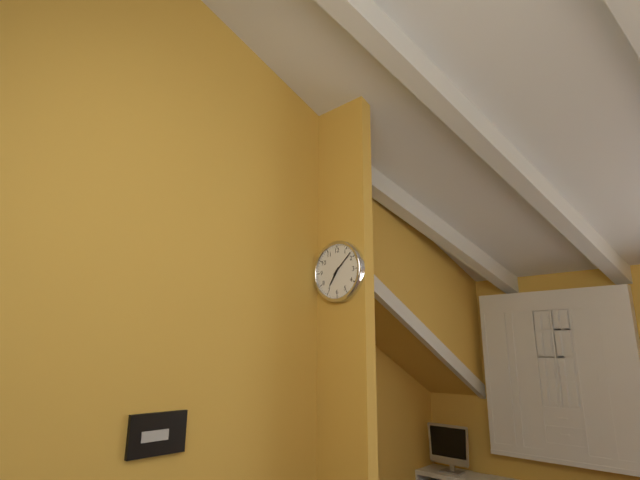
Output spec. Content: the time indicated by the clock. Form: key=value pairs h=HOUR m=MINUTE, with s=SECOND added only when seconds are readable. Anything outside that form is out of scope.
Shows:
h=7 m=8
